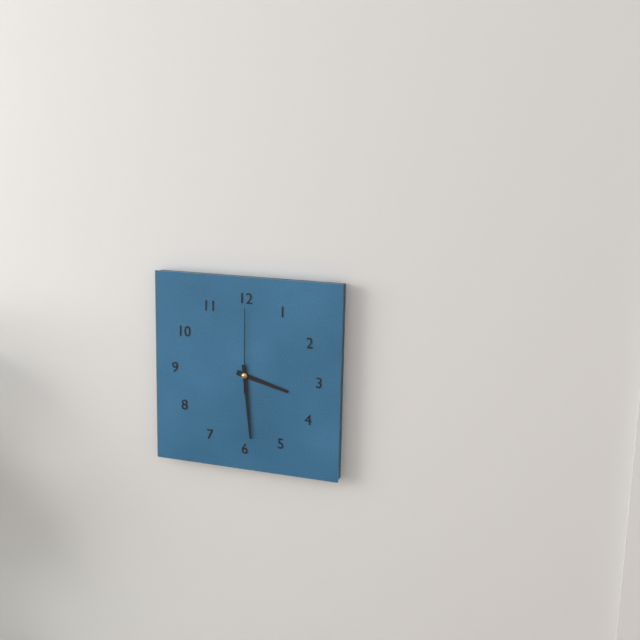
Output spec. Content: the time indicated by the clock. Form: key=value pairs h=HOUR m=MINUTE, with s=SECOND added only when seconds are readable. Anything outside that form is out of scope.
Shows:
h=3 m=29 s=0
